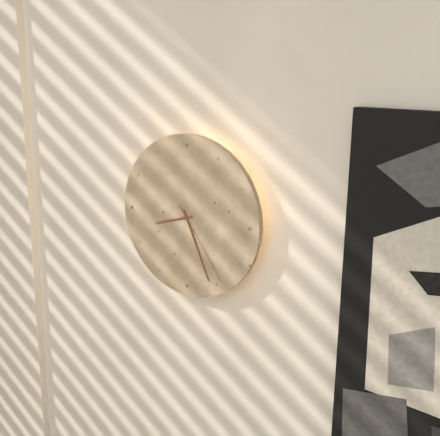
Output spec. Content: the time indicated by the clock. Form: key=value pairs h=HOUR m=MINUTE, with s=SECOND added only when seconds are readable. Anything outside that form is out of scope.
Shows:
h=8 m=26 s=24
